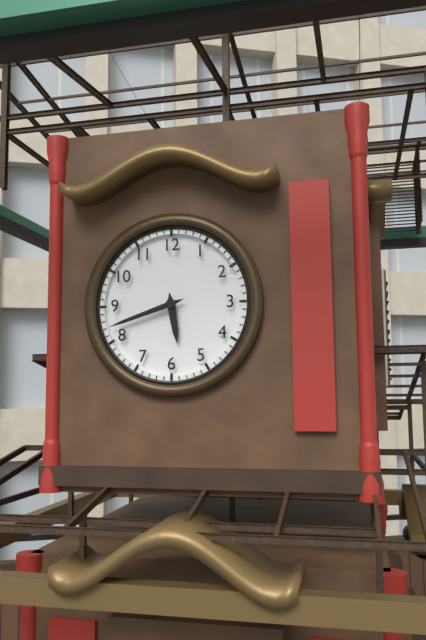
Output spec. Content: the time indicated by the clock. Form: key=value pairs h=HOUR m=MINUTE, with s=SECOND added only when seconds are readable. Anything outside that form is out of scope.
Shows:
h=5 m=42
